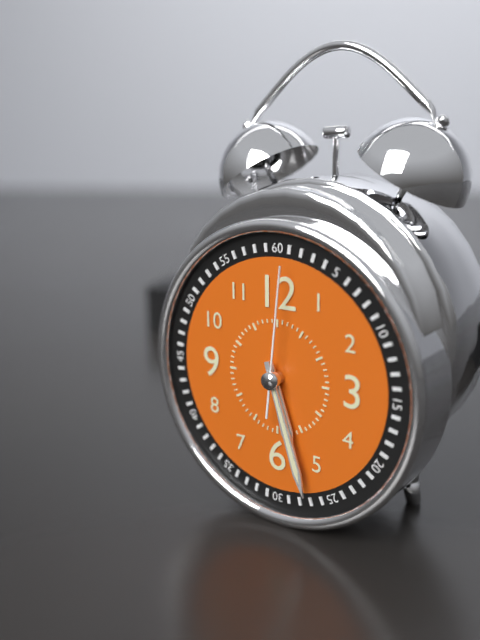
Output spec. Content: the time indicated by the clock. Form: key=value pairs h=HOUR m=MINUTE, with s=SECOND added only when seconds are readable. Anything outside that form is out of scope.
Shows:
h=5 m=27 s=1
